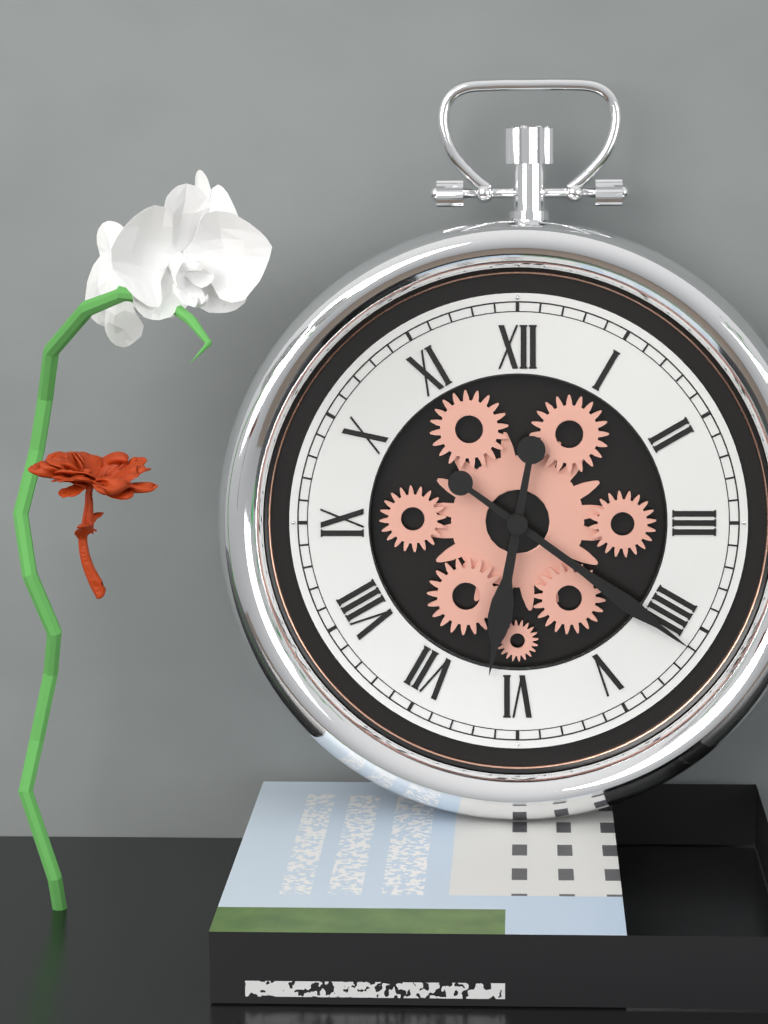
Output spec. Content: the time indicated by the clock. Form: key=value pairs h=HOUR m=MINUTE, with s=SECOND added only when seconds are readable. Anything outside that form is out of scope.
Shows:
h=6 m=21
